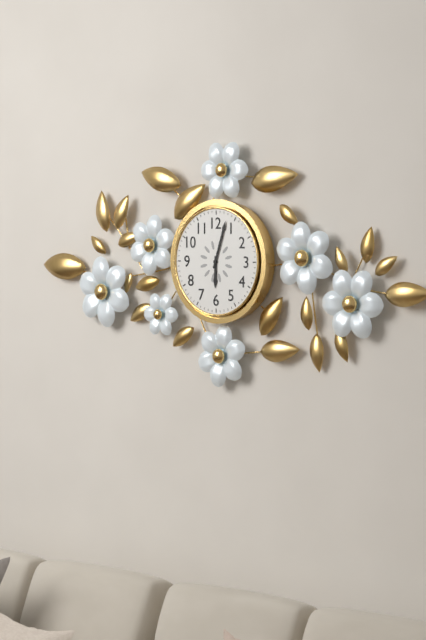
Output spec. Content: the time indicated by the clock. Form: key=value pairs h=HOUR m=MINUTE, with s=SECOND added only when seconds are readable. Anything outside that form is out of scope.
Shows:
h=6 m=3
